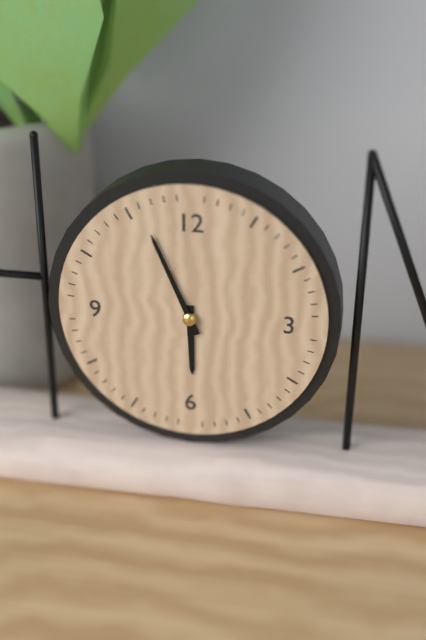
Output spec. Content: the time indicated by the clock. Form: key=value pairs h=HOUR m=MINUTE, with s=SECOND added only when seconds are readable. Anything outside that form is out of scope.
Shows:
h=5 m=56
